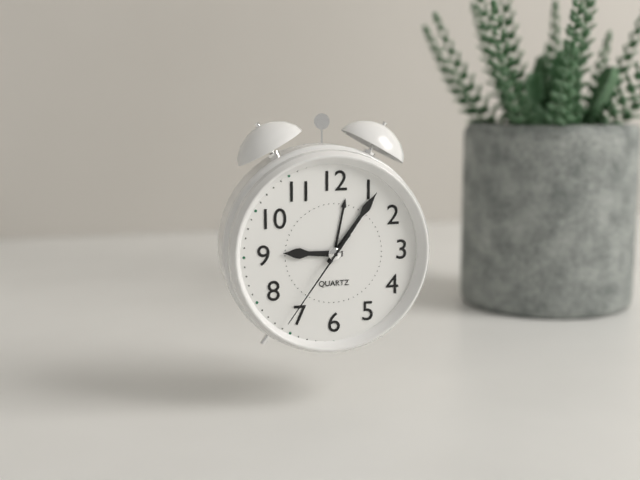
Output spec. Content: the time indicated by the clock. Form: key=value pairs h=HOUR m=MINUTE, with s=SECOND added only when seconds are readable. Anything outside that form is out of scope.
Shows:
h=9 m=6 s=36
